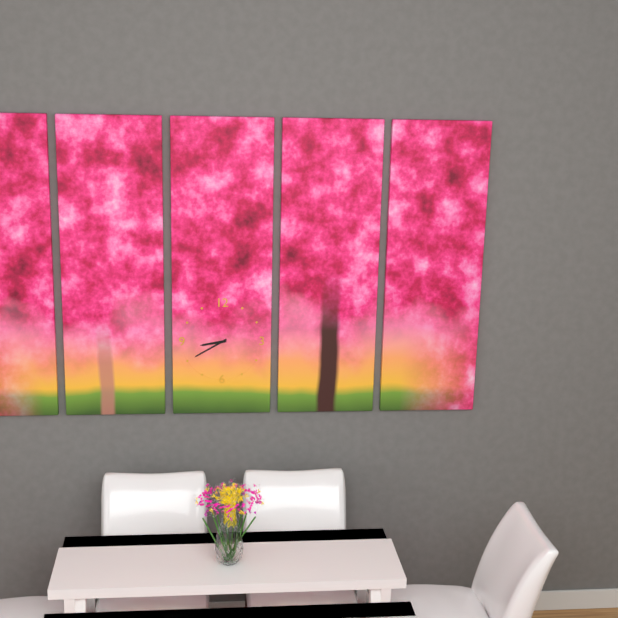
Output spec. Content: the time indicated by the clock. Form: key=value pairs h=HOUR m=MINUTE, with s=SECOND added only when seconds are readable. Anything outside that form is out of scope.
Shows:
h=8 m=40
